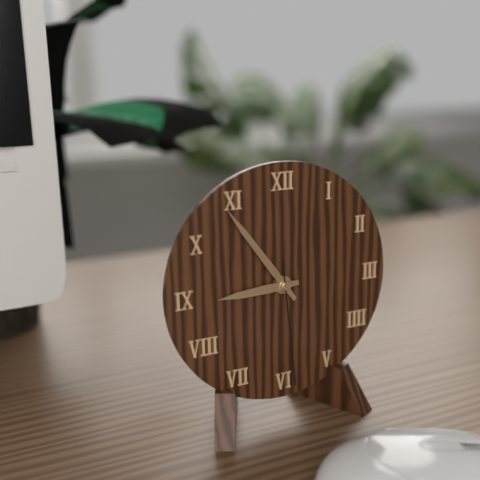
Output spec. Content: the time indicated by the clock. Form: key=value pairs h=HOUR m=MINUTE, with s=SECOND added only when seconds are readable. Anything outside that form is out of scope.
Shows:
h=8 m=54 s=29
